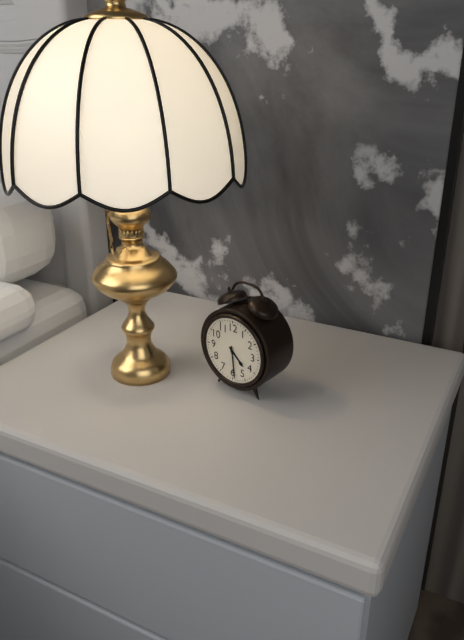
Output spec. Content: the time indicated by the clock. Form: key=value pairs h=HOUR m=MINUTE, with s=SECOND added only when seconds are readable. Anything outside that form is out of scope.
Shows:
h=4 m=29
